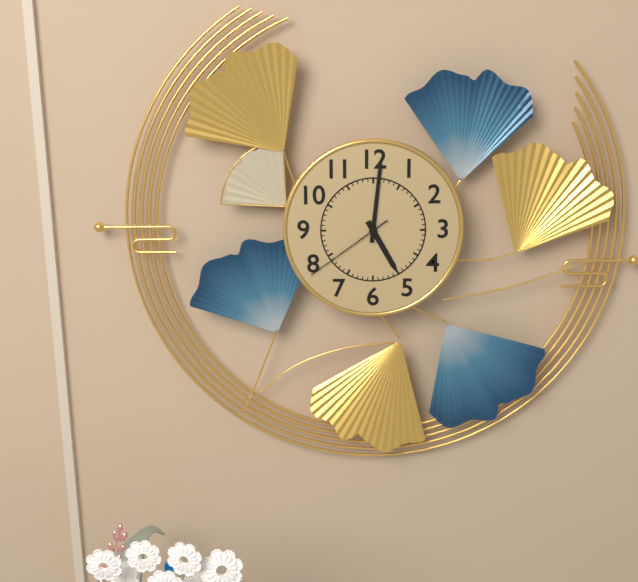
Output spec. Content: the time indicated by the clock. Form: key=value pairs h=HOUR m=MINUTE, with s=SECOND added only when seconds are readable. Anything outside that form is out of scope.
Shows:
h=5 m=1 s=39
